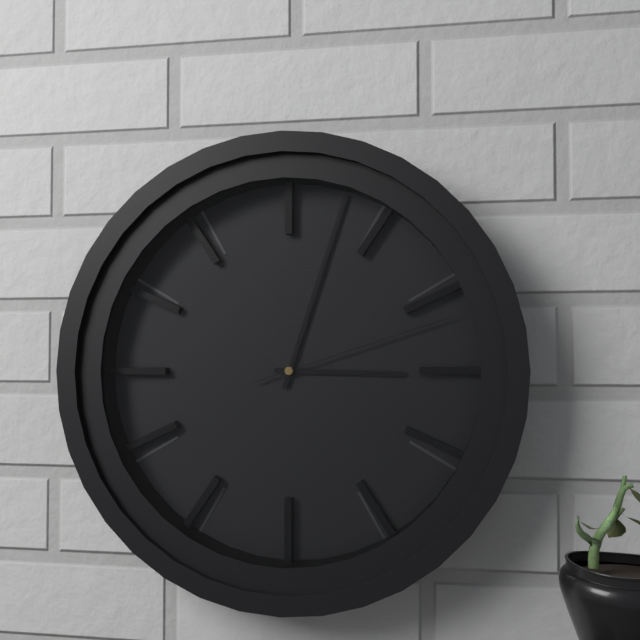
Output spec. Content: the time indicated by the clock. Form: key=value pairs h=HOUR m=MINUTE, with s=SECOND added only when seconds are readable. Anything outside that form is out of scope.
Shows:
h=3 m=3 s=12
